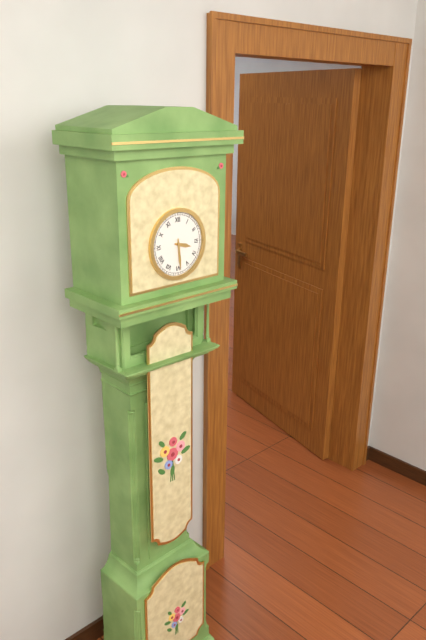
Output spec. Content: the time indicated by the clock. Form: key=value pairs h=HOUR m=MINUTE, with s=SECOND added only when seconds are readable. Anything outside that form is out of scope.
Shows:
h=3 m=29
